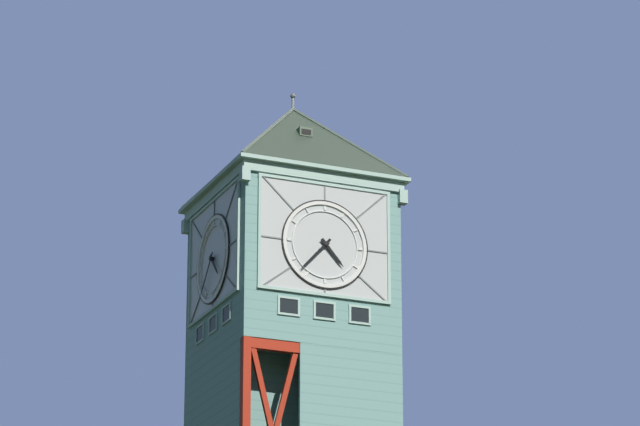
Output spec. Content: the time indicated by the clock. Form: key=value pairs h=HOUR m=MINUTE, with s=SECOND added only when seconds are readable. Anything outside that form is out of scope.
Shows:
h=4 m=37
